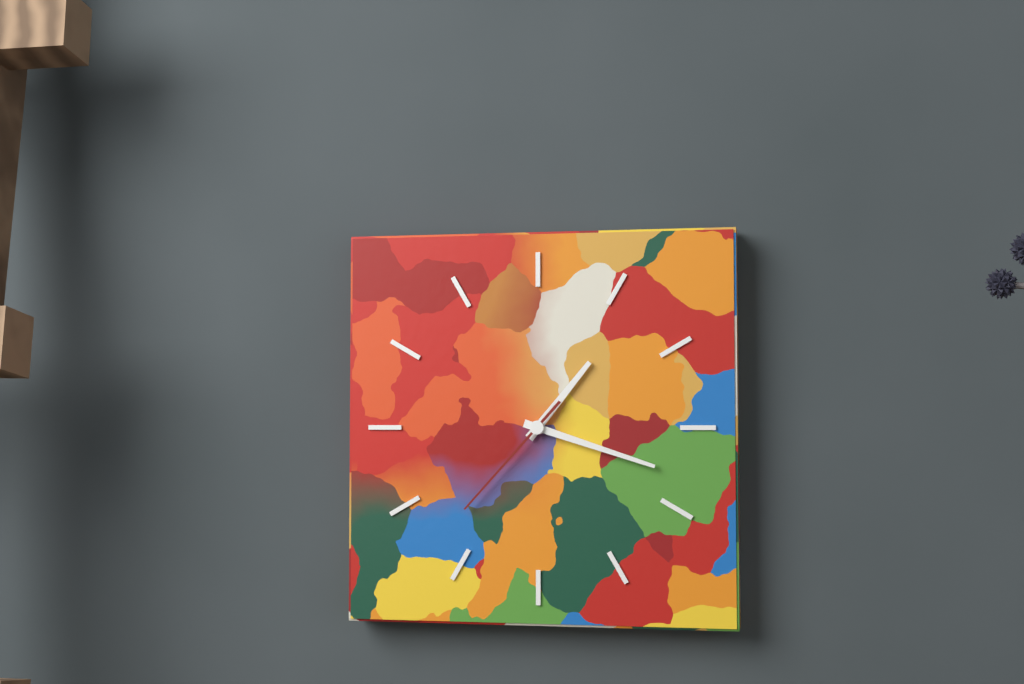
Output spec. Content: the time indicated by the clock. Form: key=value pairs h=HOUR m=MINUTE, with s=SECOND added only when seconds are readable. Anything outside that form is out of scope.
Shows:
h=1 m=18 s=37
